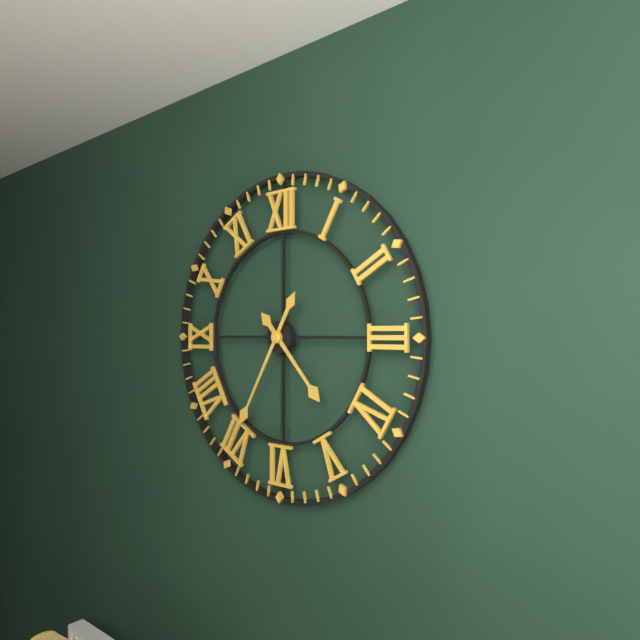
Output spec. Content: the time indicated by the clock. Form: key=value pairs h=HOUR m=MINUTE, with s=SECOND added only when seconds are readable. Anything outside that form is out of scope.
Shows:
h=4 m=35
